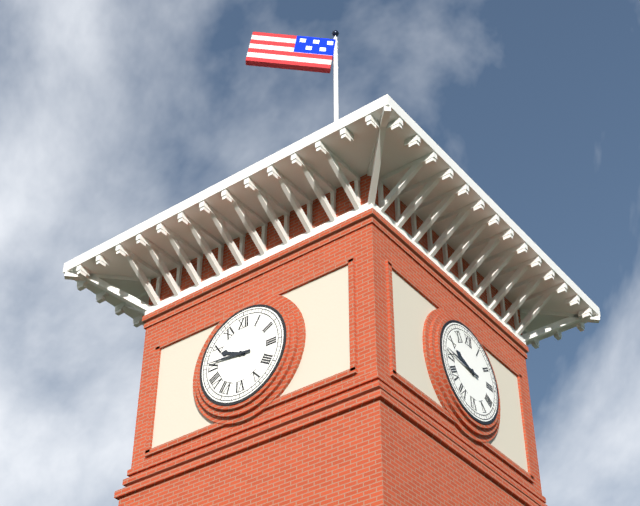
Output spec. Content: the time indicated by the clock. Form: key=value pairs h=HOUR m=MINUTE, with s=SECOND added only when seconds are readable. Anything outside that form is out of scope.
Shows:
h=9 m=46
